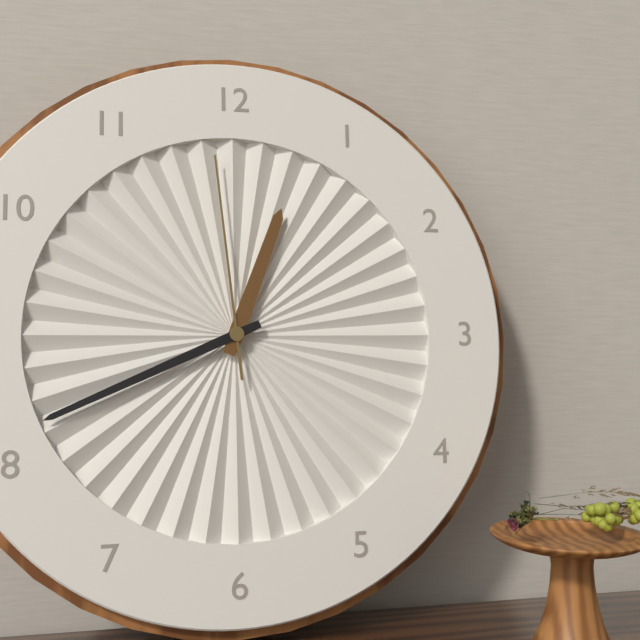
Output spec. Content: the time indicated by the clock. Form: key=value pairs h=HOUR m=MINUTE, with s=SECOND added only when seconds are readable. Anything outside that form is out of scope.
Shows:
h=12 m=41 s=59
